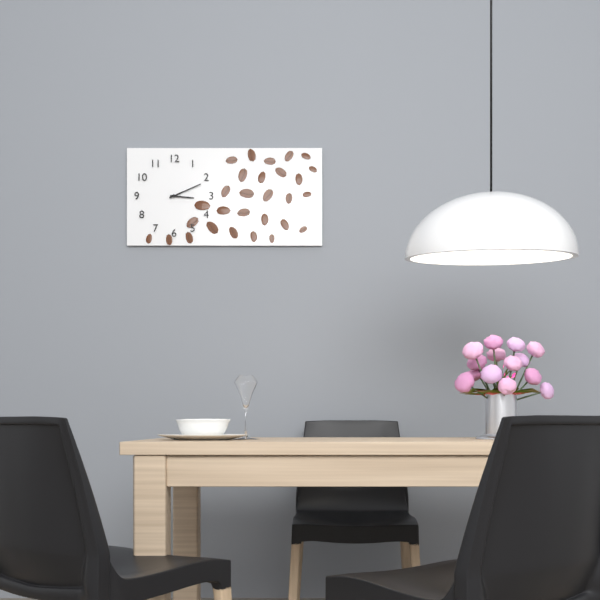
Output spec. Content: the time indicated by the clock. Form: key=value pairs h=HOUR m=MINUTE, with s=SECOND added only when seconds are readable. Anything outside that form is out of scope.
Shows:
h=3 m=11
